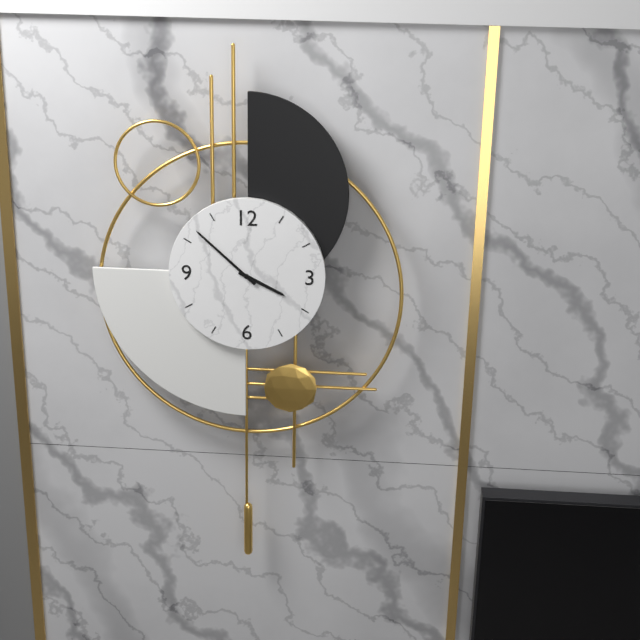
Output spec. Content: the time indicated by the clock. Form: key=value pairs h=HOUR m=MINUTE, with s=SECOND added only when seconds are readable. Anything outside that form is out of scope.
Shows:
h=3 m=52
